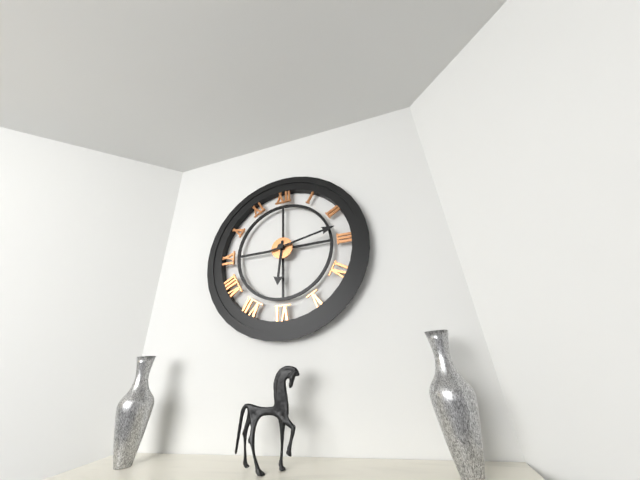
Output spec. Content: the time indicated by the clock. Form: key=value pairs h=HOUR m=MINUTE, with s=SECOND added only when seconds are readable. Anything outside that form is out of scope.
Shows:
h=6 m=13
